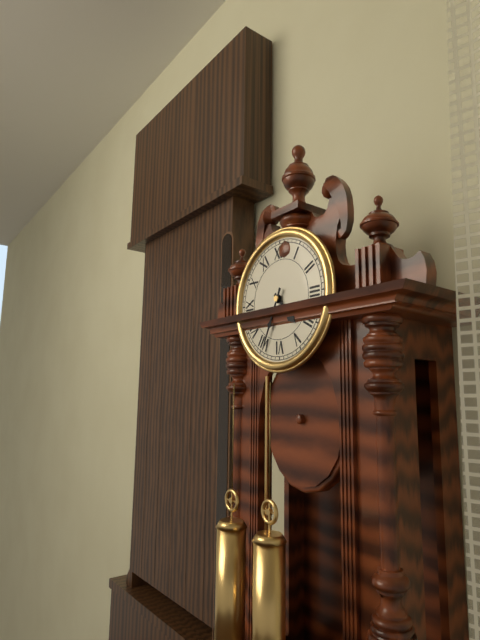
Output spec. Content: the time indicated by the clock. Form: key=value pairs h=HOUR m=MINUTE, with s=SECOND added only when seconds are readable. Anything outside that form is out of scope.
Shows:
h=4 m=34
